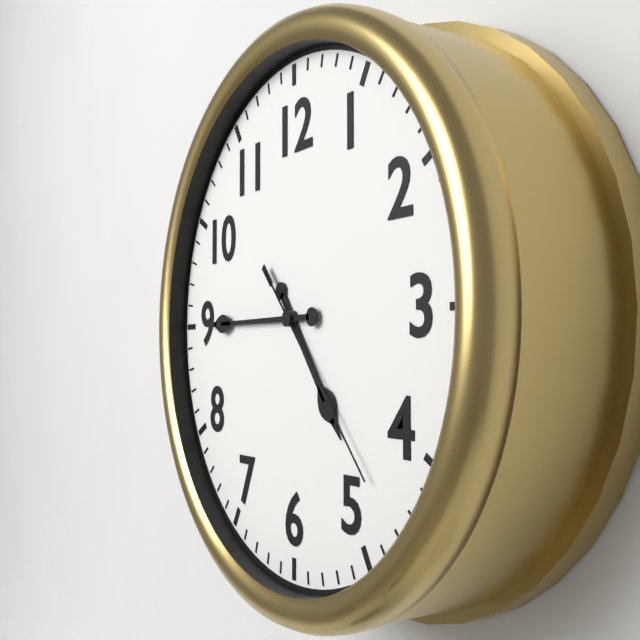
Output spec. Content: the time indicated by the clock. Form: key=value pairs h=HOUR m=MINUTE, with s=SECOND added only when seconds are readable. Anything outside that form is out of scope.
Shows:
h=4 m=45 s=23
